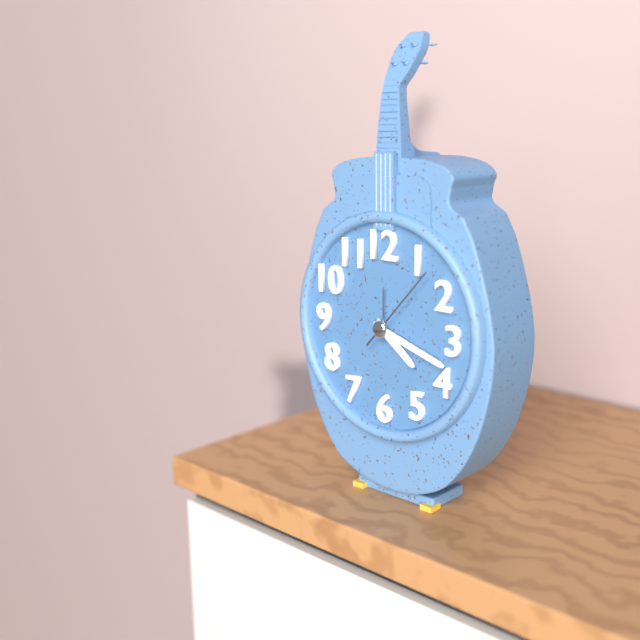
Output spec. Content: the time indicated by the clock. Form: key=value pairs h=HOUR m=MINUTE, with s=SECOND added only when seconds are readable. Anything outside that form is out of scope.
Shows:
h=4 m=18 s=7
